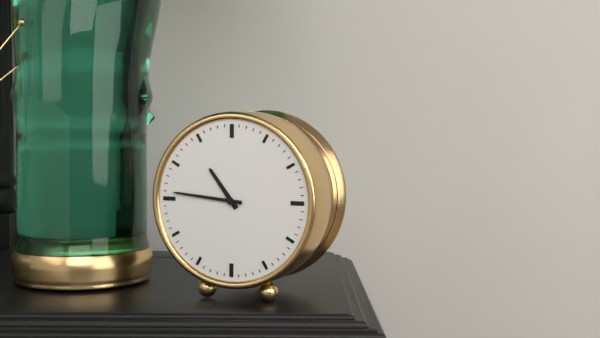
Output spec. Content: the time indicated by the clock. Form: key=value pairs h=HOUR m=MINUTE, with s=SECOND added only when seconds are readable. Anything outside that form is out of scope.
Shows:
h=10 m=46
